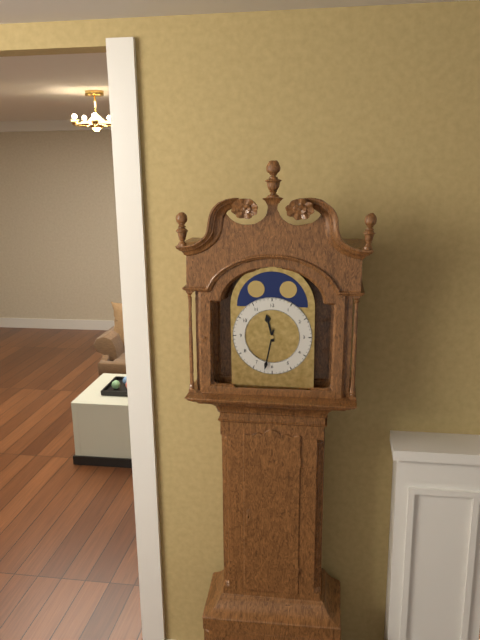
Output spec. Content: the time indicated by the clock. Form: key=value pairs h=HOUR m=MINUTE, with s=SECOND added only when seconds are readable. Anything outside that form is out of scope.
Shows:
h=11 m=32
